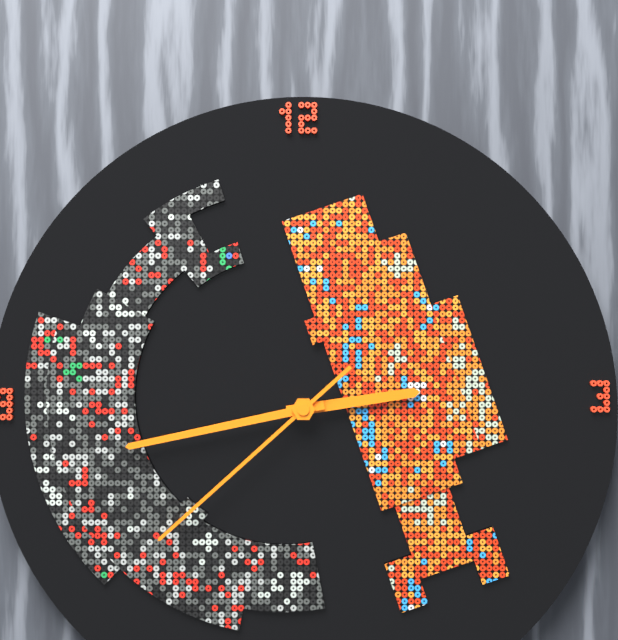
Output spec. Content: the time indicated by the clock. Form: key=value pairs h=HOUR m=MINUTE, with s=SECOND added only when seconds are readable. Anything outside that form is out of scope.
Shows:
h=2 m=43 s=38
